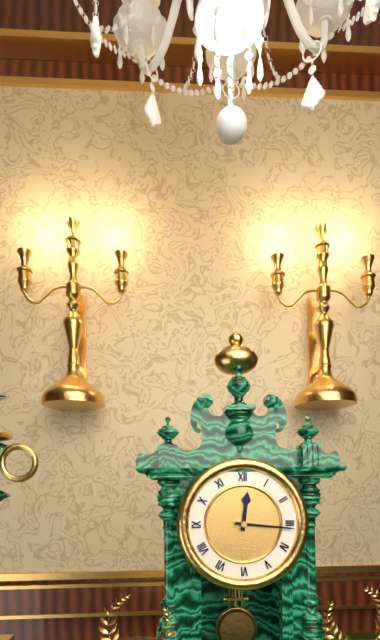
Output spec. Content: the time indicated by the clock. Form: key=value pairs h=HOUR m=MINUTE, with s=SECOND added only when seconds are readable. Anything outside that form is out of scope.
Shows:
h=12 m=16
